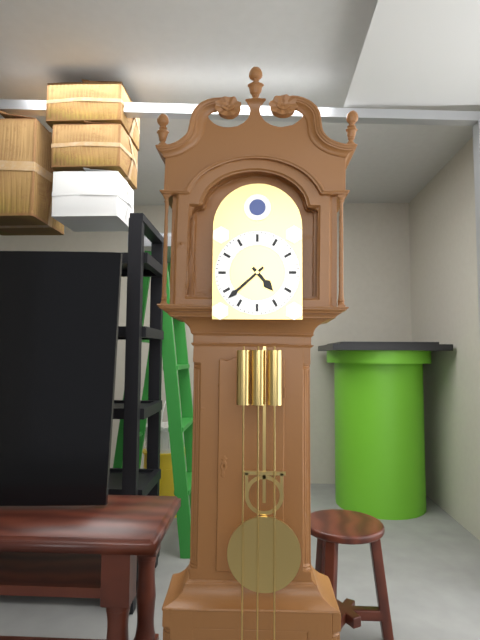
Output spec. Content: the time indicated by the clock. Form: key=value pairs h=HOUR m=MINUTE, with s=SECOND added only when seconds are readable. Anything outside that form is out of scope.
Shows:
h=4 m=38
